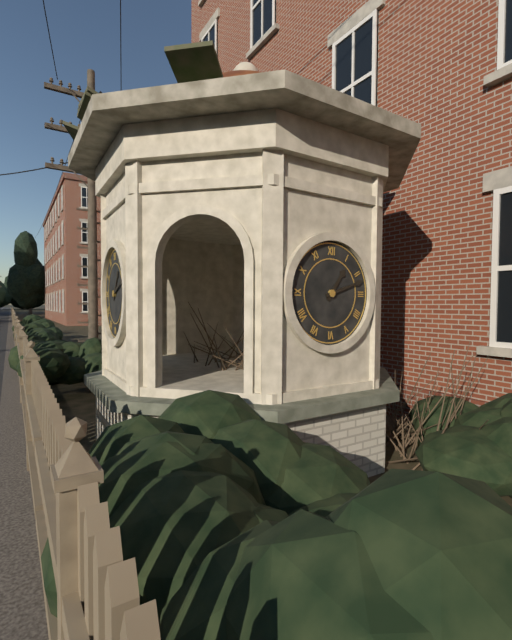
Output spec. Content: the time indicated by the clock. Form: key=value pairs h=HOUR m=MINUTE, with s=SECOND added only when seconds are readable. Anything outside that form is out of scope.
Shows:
h=1 m=12
